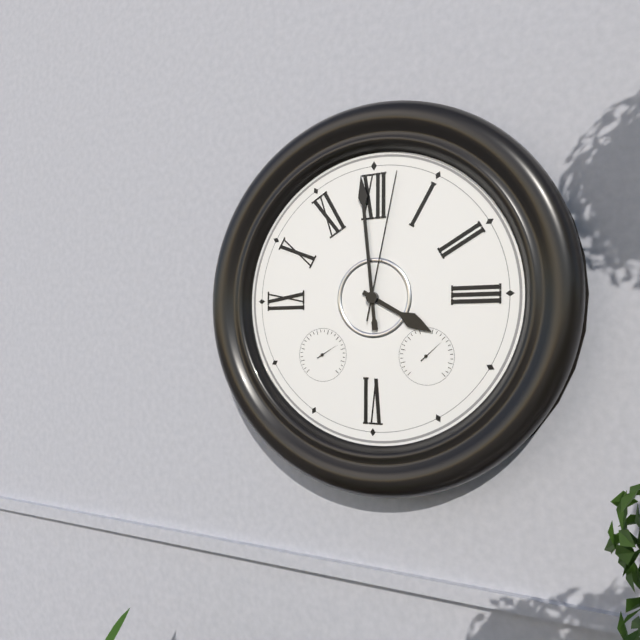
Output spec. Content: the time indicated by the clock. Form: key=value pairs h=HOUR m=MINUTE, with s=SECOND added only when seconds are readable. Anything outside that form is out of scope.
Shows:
h=3 m=59 s=2
